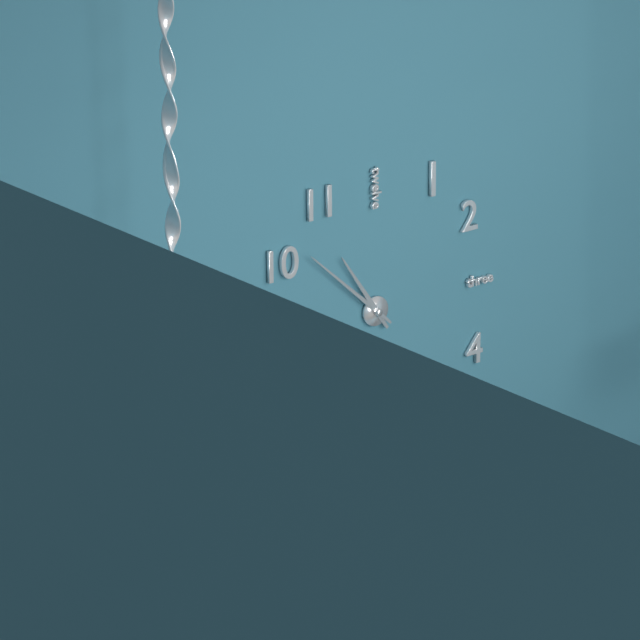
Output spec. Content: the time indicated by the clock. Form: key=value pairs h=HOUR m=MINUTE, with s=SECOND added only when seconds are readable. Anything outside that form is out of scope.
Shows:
h=10 m=52
